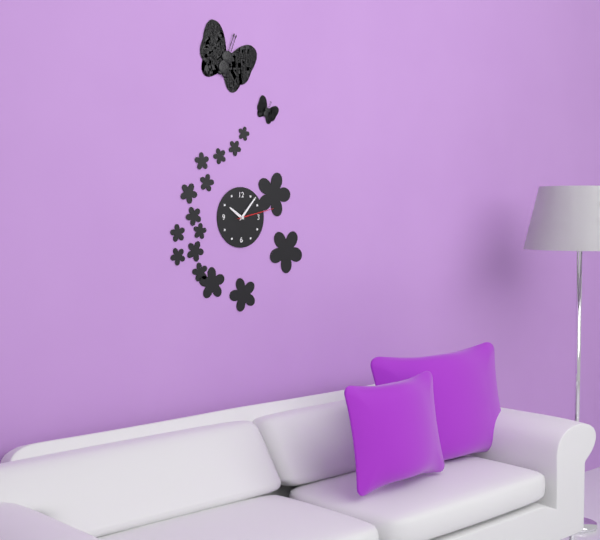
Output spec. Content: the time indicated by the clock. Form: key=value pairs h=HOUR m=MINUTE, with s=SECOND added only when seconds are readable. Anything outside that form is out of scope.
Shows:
h=10 m=7
